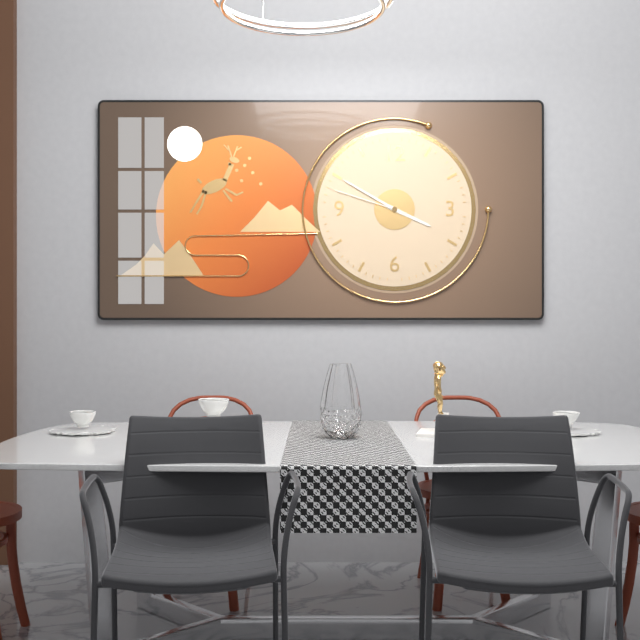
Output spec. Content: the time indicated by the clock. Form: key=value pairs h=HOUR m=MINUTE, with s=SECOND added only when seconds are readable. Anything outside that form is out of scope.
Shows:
h=3 m=50 s=48
